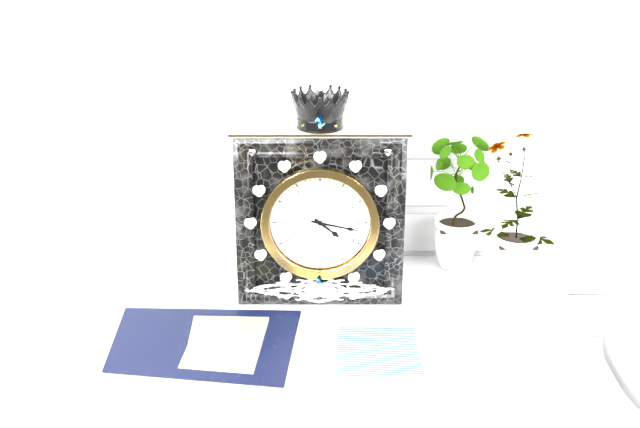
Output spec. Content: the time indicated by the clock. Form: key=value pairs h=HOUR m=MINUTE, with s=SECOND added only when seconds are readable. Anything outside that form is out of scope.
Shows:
h=4 m=17
